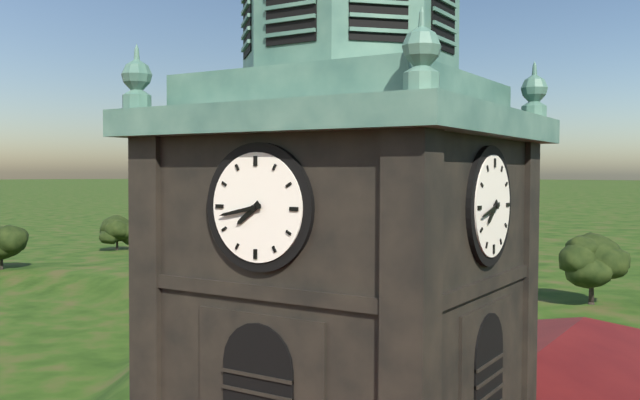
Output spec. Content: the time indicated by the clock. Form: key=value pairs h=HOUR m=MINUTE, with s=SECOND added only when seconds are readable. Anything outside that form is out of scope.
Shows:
h=7 m=43
